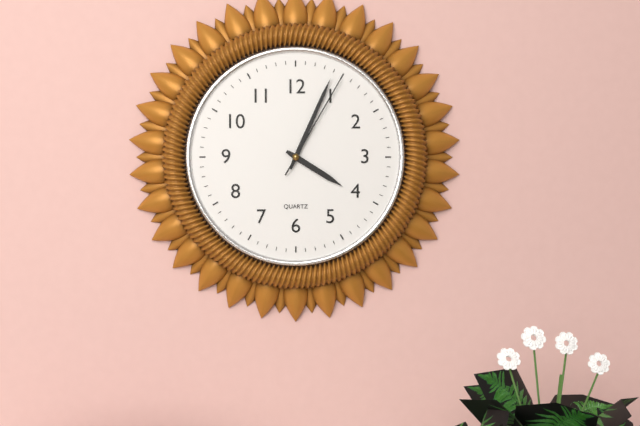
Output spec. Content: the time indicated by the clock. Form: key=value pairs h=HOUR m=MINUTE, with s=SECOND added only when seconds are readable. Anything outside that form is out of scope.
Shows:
h=4 m=4 s=5
